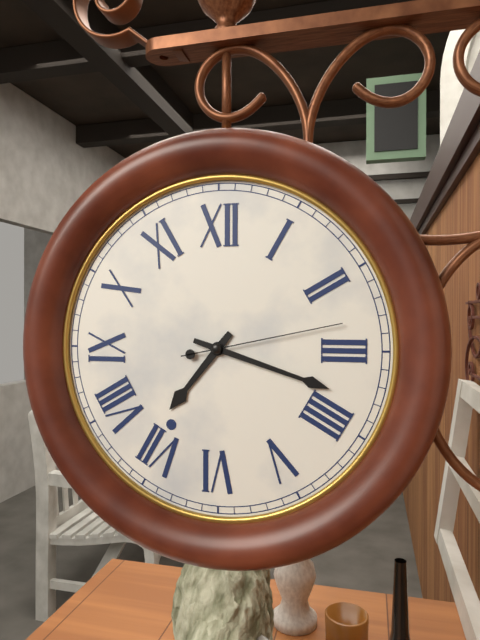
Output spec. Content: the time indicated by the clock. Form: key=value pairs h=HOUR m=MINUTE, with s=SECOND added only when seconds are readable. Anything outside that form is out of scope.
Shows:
h=7 m=18 s=13
